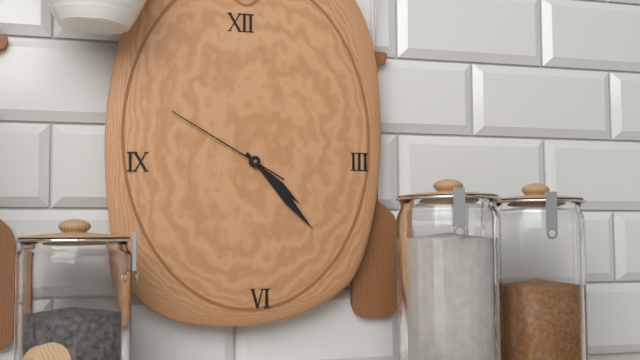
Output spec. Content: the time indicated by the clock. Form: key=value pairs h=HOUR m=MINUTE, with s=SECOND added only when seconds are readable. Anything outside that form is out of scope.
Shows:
h=4 m=23 s=50
